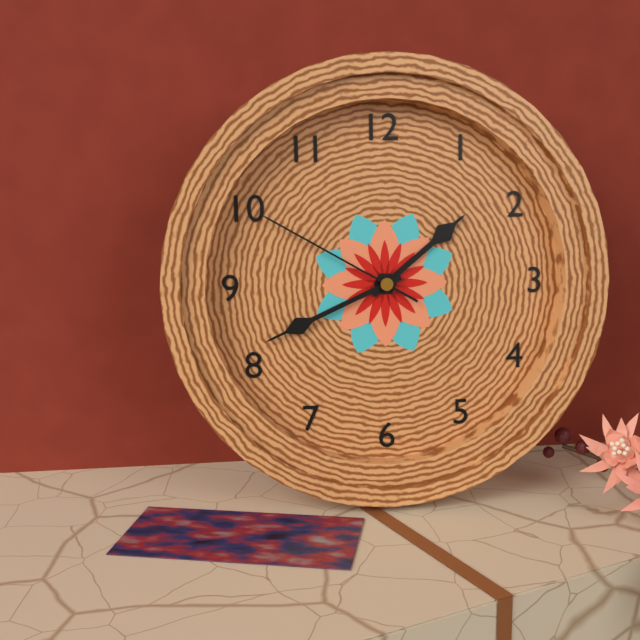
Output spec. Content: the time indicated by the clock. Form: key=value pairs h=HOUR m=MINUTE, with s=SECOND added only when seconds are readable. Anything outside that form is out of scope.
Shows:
h=1 m=41 s=50
